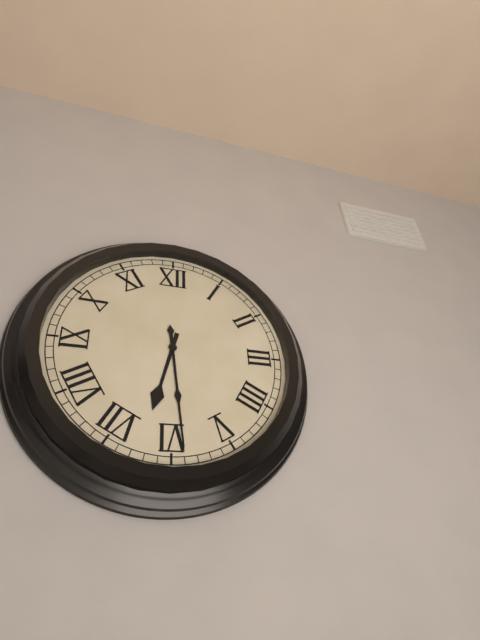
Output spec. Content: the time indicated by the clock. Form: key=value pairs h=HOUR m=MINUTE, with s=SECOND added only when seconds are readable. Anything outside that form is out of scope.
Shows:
h=6 m=29
